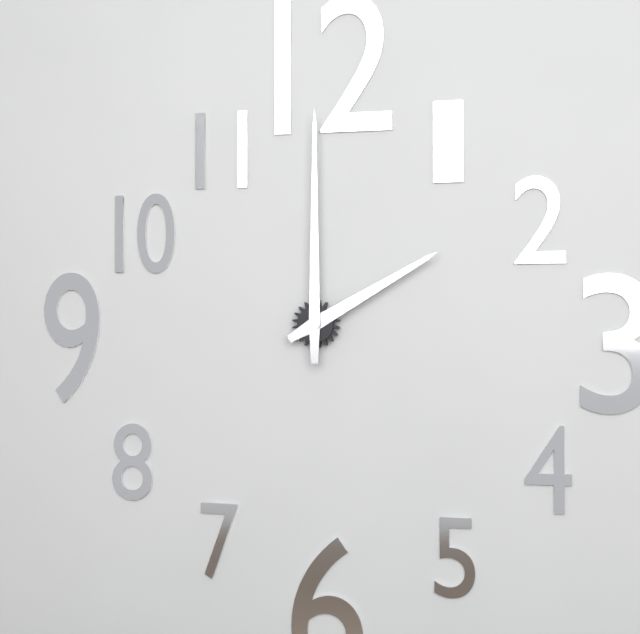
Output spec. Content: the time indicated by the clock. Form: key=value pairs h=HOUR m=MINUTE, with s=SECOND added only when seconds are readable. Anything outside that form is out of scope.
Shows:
h=2 m=0
